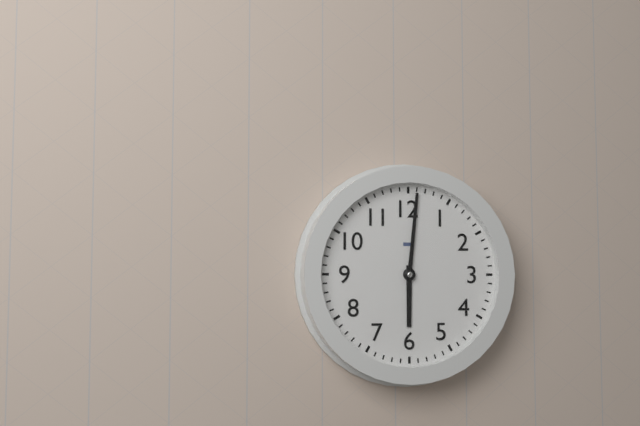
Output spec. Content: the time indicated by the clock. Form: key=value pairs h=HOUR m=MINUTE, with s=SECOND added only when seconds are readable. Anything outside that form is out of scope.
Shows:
h=6 m=1
